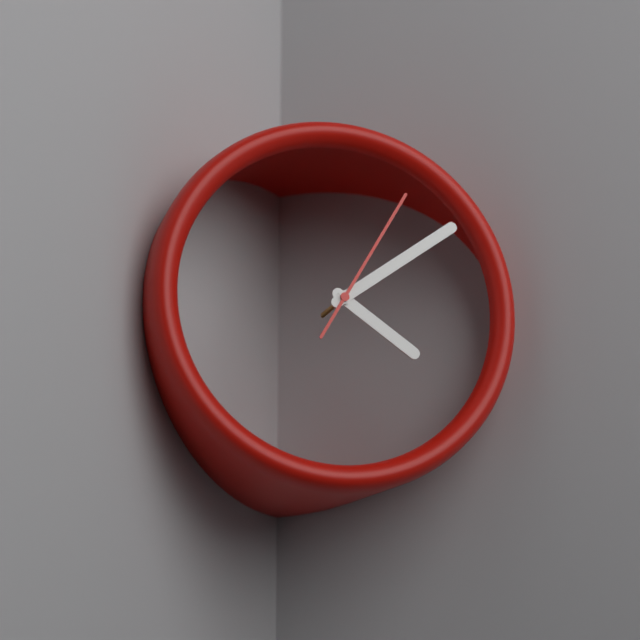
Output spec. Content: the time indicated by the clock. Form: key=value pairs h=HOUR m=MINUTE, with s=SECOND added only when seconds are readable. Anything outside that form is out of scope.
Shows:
h=4 m=9 s=5
